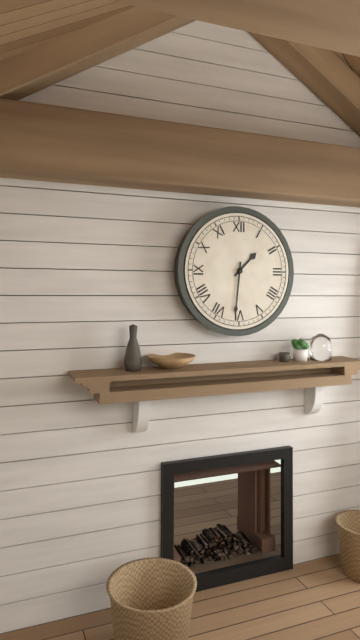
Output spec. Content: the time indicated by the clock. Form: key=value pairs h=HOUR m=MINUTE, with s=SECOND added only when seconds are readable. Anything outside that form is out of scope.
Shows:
h=1 m=31
